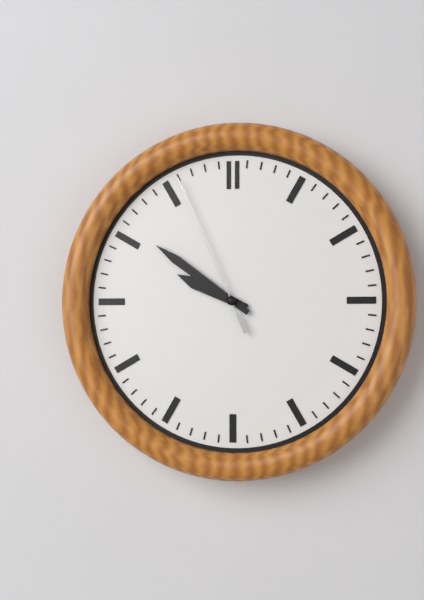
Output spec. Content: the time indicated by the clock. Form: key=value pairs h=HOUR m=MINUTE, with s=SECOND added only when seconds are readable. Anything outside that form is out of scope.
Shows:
h=9 m=51 s=56
